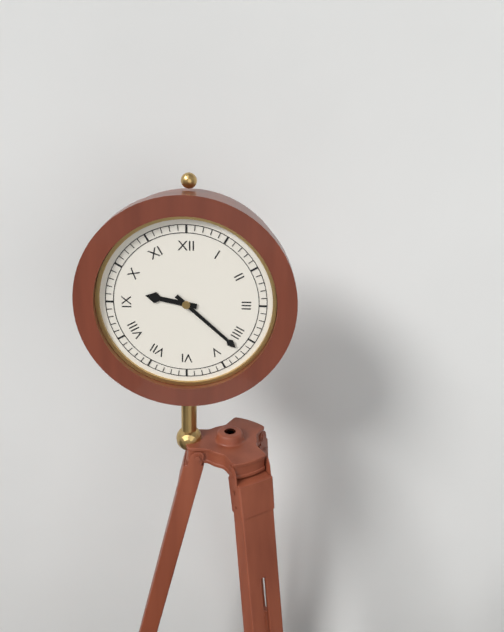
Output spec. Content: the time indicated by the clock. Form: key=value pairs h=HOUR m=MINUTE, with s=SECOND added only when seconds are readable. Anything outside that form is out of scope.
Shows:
h=9 m=22
